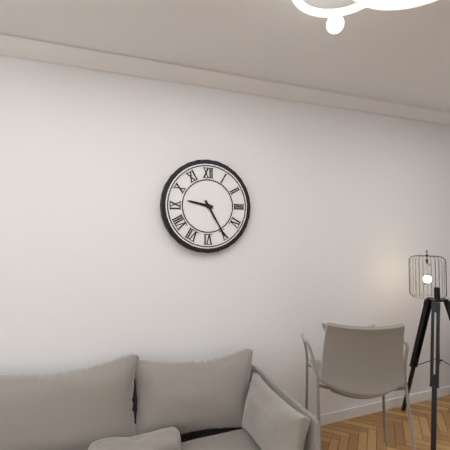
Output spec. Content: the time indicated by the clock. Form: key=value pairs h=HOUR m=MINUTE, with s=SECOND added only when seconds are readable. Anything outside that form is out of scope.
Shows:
h=9 m=25
